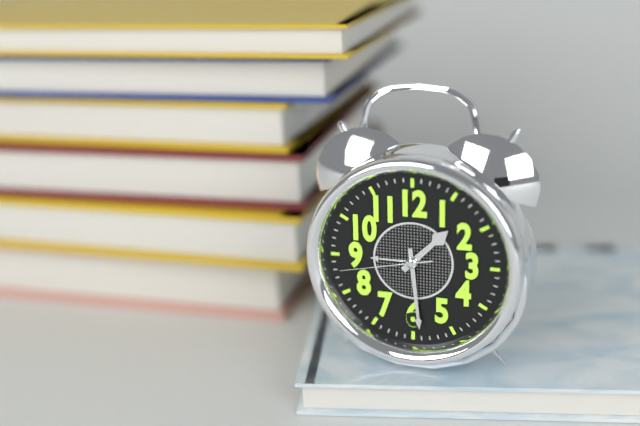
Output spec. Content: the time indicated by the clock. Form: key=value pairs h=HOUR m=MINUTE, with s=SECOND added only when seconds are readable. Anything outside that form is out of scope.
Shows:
h=1 m=29 s=43
